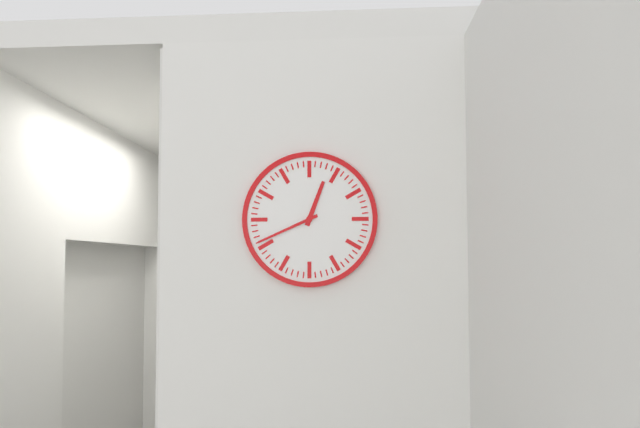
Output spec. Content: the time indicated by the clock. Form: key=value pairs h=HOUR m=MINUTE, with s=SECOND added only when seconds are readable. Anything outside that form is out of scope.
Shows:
h=12 m=41
